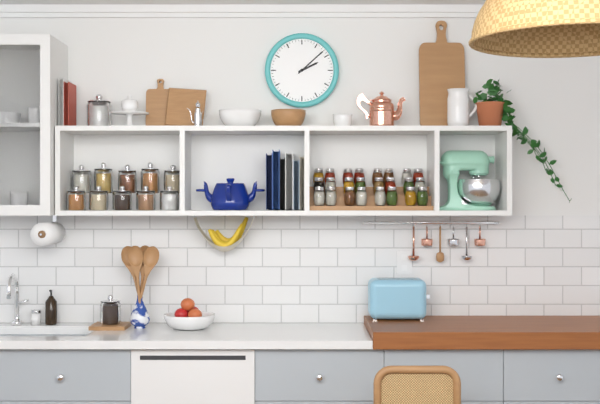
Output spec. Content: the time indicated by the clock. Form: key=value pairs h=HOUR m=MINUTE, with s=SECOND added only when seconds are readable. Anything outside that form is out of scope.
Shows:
h=2 m=8
